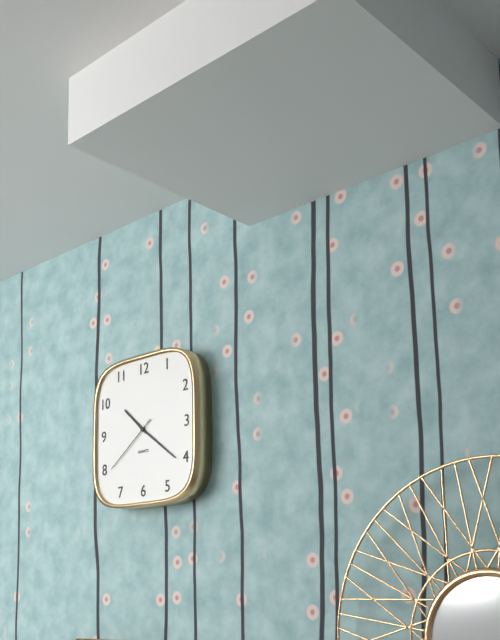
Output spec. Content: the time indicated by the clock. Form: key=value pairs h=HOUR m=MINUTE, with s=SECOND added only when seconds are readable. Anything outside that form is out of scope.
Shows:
h=10 m=21 s=39
